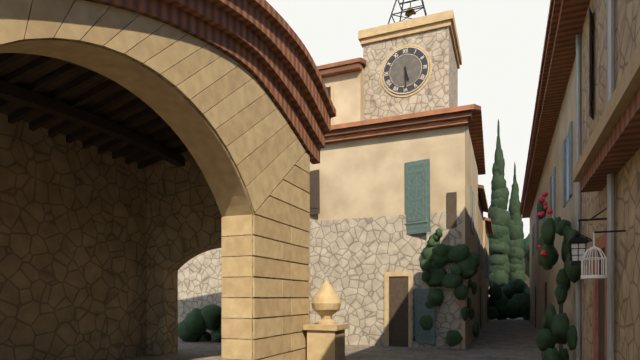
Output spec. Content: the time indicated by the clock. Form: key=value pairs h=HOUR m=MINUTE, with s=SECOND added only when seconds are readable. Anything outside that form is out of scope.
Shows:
h=5 m=30
